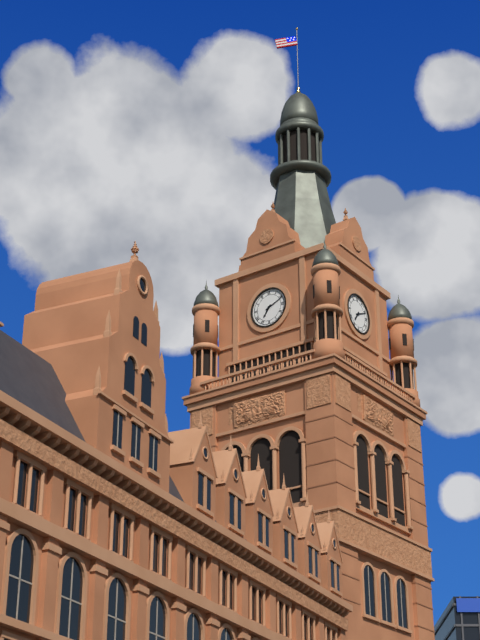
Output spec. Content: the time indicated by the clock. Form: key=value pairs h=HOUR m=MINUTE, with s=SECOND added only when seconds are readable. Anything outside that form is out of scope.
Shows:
h=7 m=11
